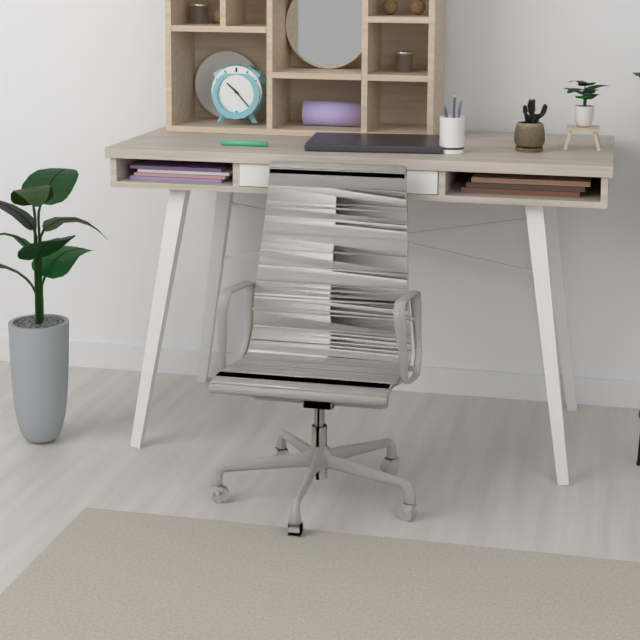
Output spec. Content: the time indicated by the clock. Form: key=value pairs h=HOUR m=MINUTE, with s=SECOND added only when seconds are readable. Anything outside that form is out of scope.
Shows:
h=10 m=23
